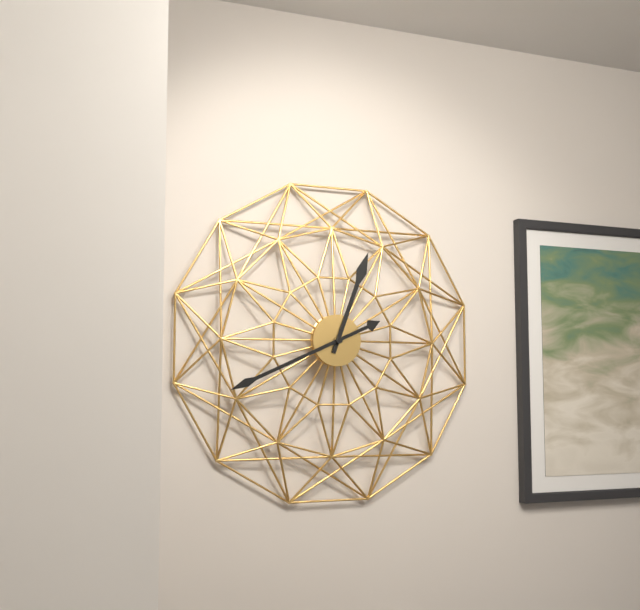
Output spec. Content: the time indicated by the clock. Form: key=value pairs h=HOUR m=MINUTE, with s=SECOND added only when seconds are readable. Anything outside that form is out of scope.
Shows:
h=12 m=41
